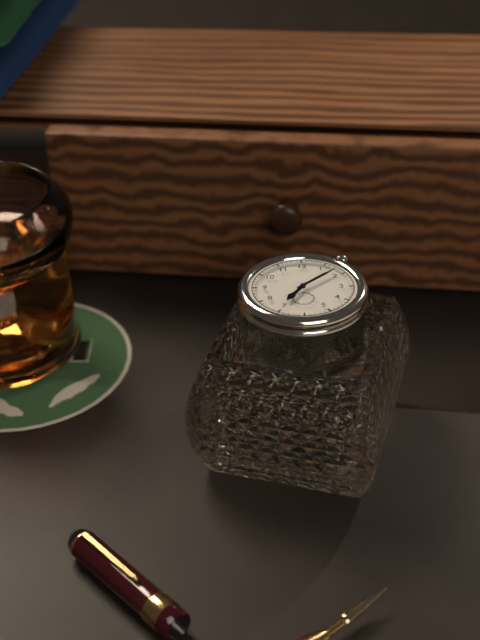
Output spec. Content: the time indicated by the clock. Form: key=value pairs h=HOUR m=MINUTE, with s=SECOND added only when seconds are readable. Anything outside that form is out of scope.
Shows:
h=7 m=8
